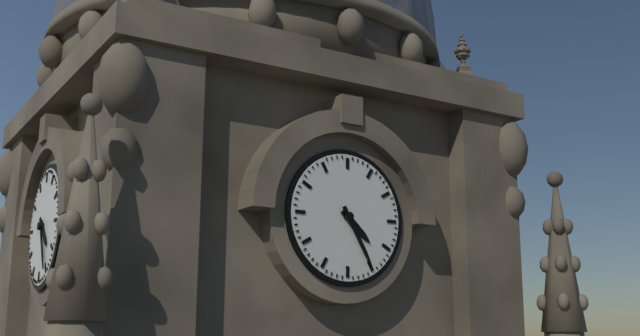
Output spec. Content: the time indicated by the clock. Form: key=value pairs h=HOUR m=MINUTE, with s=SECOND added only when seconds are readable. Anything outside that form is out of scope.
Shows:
h=4 m=25
